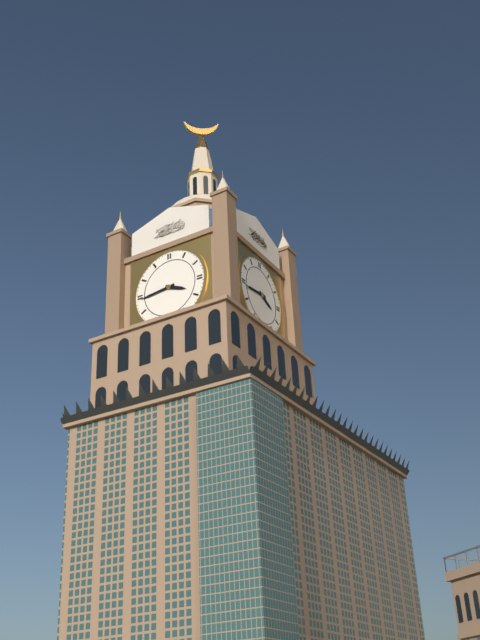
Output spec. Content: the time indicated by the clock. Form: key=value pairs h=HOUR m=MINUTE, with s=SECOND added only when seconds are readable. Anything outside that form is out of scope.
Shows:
h=3 m=44
